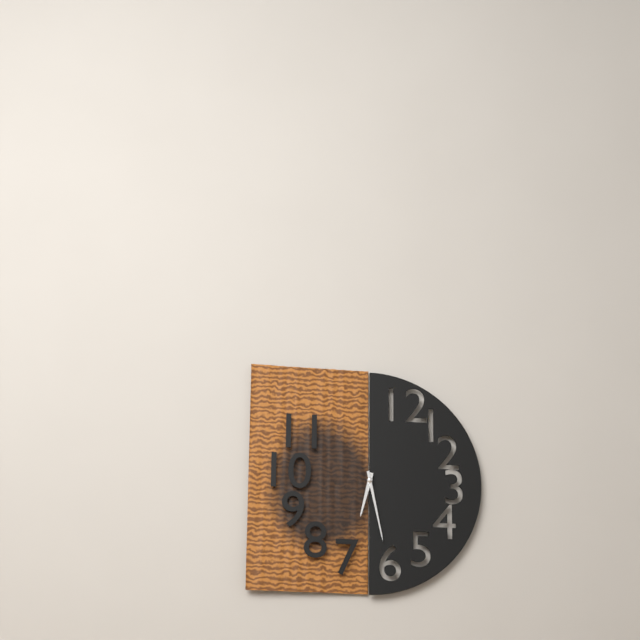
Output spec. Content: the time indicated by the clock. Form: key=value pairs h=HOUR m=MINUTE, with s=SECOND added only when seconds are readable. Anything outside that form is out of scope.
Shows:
h=6 m=28
